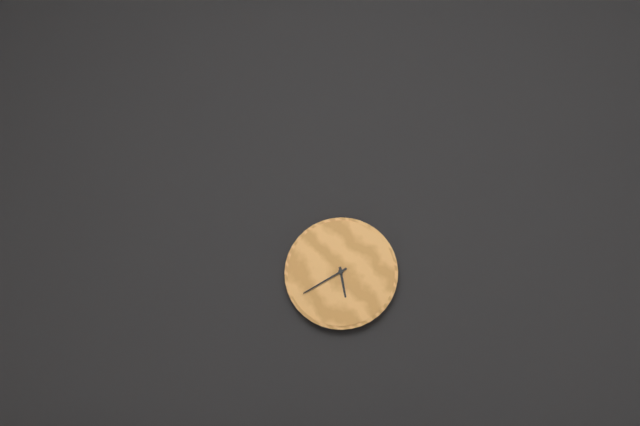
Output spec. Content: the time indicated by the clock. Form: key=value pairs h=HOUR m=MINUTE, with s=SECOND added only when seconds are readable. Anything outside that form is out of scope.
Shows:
h=5 m=40
